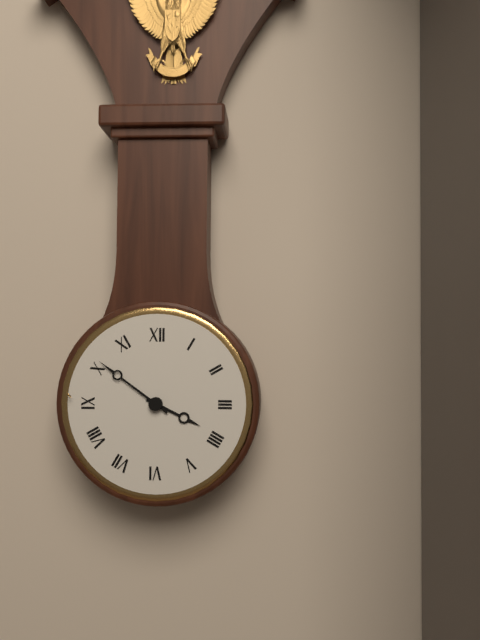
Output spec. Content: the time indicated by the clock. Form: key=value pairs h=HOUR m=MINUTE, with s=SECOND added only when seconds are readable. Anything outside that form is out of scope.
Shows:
h=3 m=51
